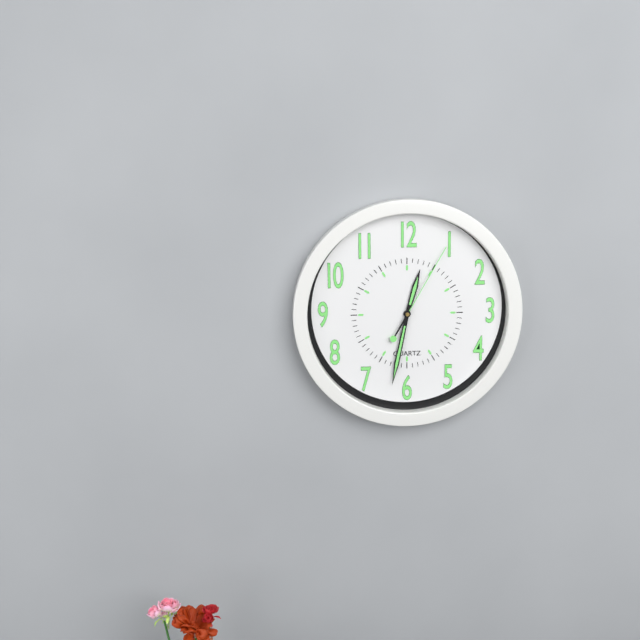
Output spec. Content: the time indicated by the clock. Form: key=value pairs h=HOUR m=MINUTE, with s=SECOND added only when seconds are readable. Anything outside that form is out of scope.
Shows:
h=12 m=32 s=5
